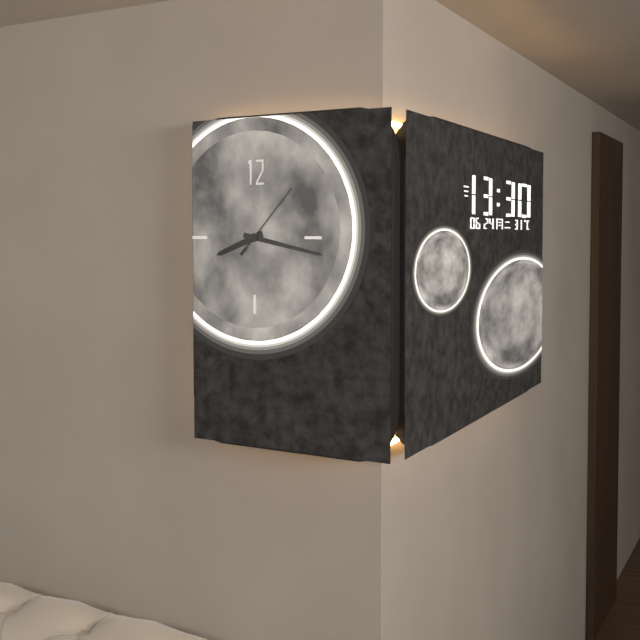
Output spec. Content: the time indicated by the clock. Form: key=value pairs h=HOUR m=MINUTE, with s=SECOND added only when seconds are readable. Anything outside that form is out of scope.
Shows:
h=8 m=17 s=7
